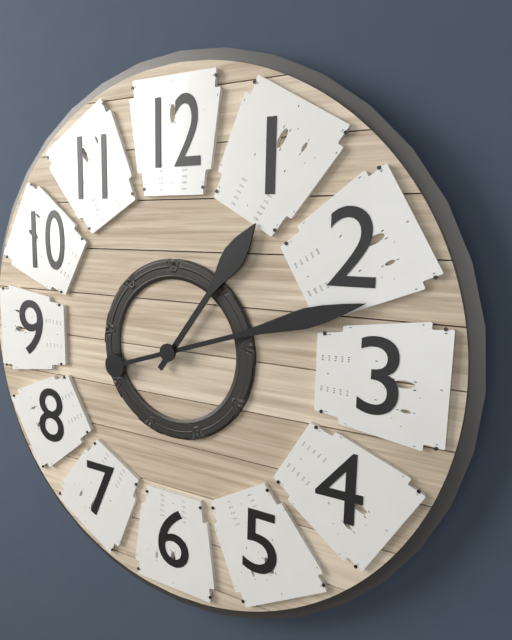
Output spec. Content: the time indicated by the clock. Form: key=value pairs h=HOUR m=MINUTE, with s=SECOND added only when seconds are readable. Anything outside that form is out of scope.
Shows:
h=1 m=12
